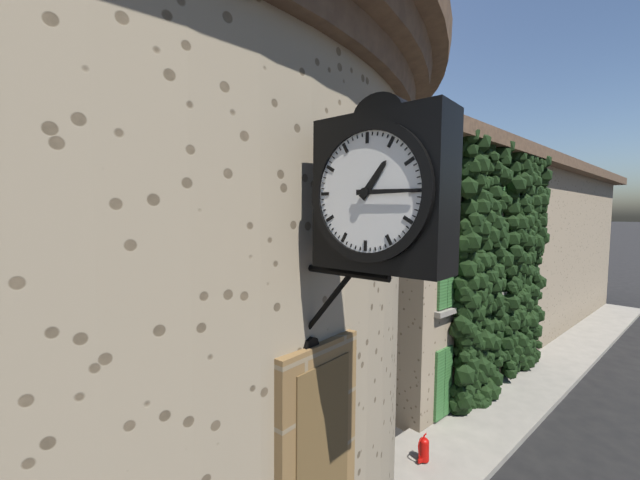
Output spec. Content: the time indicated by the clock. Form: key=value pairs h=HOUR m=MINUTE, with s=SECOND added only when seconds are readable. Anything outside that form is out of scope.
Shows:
h=1 m=15
